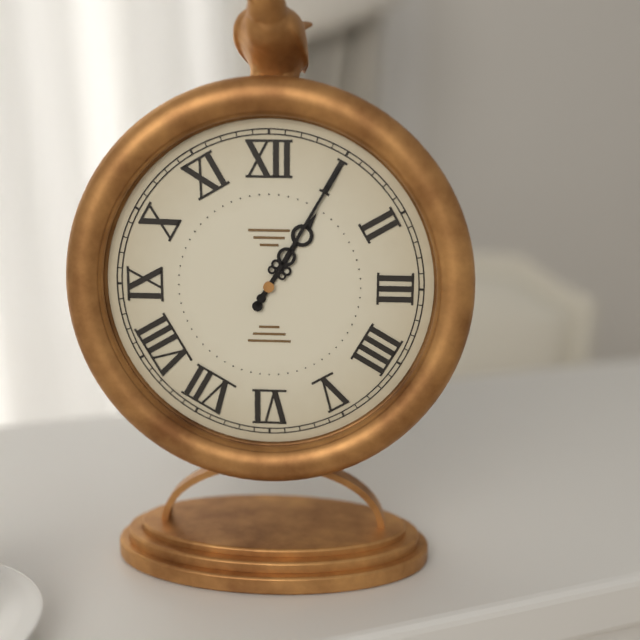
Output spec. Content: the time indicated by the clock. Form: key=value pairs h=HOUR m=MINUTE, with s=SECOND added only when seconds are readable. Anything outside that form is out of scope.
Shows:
h=1 m=5
